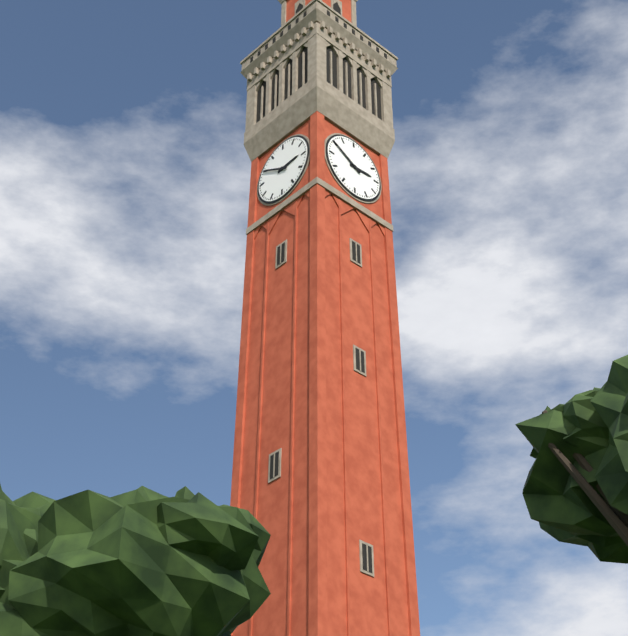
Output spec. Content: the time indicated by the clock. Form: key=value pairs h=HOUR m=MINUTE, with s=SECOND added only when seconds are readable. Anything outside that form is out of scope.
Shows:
h=2 m=50
